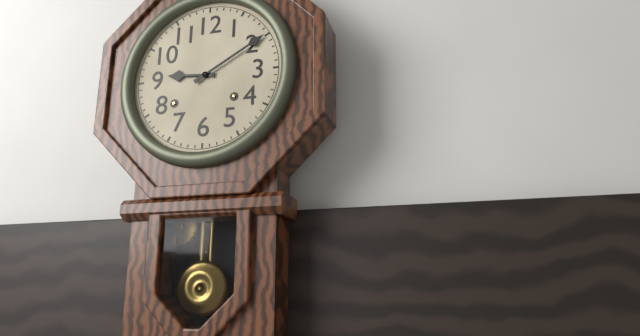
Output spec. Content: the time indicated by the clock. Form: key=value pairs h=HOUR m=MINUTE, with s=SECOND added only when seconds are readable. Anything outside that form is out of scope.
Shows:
h=9 m=10
